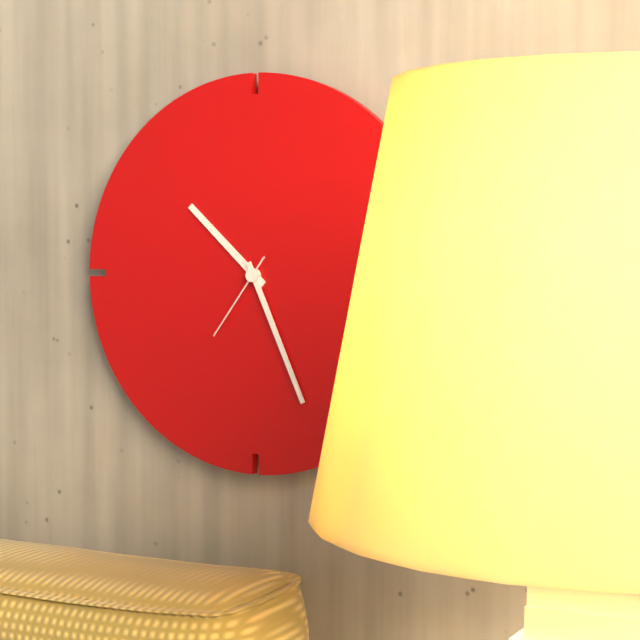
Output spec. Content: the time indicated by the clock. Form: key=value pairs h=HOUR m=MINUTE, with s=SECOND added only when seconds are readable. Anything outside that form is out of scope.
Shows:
h=10 m=26 s=36
